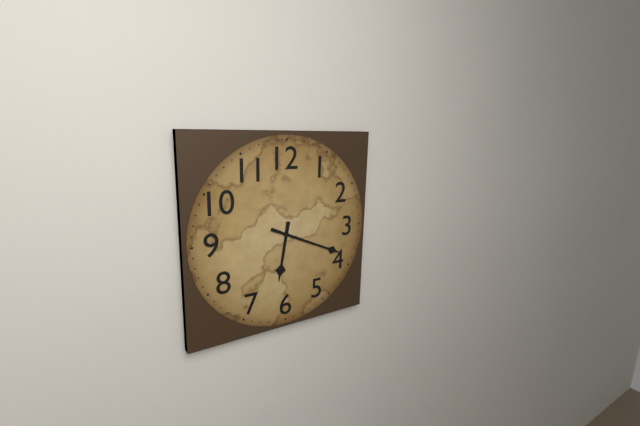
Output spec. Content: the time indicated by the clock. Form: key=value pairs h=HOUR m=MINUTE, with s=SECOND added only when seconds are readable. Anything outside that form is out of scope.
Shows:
h=6 m=19
